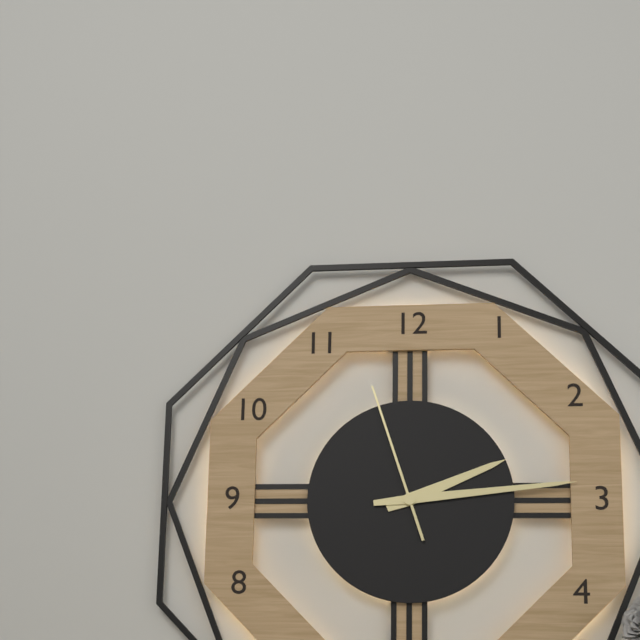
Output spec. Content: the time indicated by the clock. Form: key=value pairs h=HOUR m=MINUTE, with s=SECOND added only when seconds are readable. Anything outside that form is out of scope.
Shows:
h=2 m=14 s=57
